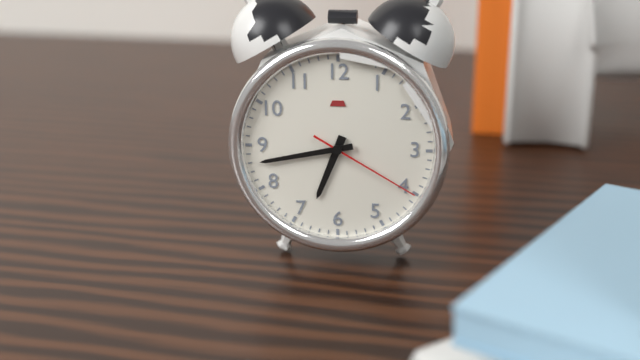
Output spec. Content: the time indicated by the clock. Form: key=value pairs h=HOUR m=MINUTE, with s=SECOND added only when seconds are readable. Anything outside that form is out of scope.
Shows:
h=6 m=43 s=20
